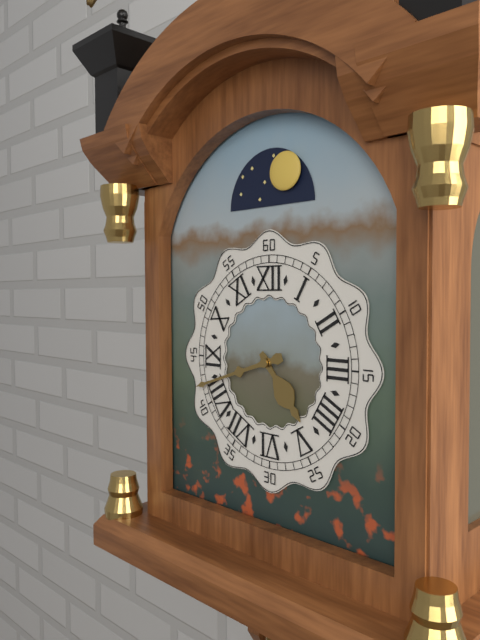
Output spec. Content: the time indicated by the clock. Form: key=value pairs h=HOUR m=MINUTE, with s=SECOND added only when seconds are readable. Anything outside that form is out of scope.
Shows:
h=4 m=42
